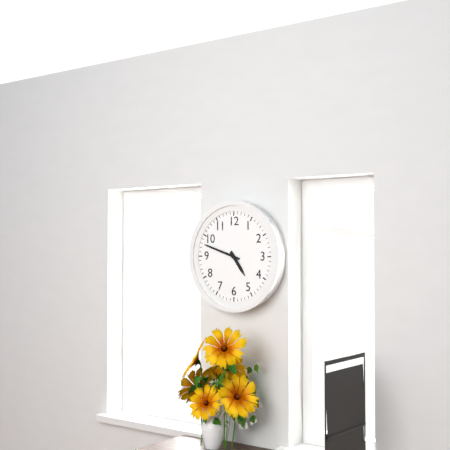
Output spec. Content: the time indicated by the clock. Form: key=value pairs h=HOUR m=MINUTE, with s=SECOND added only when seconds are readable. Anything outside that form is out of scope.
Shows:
h=4 m=48
